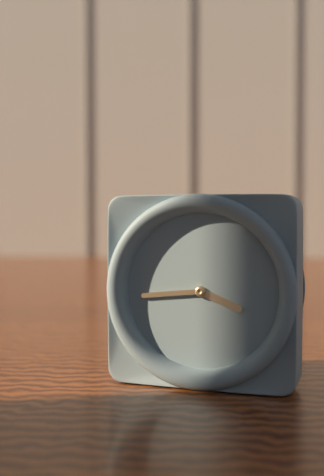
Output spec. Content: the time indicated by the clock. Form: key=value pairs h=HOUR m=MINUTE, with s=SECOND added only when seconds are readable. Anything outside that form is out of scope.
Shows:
h=3 m=44
